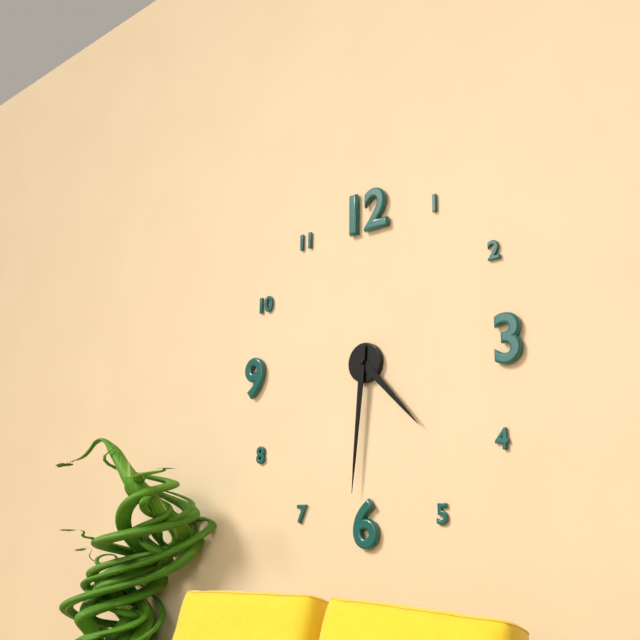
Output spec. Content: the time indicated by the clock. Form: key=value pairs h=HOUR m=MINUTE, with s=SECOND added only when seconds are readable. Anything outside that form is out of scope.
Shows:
h=4 m=31
